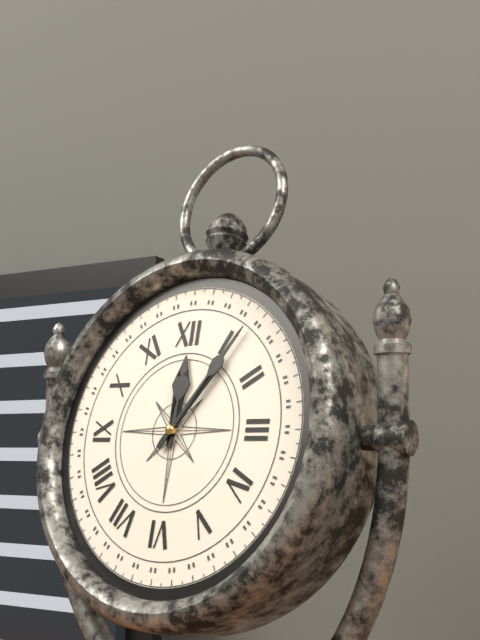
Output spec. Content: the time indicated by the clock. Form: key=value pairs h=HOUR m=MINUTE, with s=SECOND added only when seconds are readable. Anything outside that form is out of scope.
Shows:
h=12 m=6
